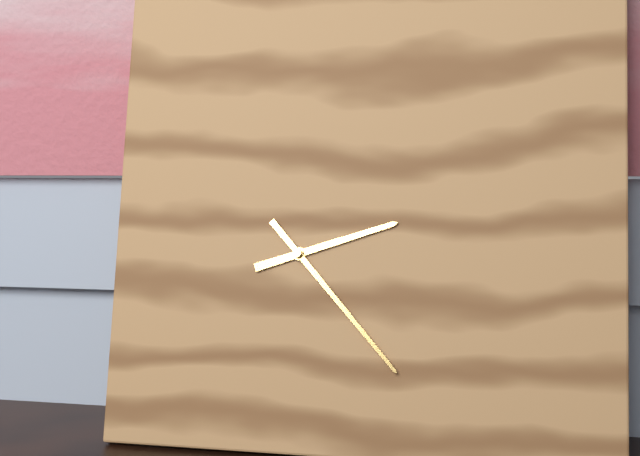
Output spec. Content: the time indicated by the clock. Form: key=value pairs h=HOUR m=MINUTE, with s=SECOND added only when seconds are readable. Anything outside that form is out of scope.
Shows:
h=2 m=23
